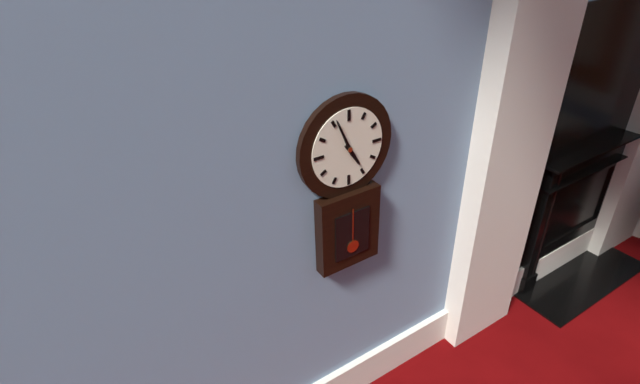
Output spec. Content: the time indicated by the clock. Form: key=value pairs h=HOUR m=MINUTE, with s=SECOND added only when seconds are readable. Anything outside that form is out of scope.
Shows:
h=4 m=56
